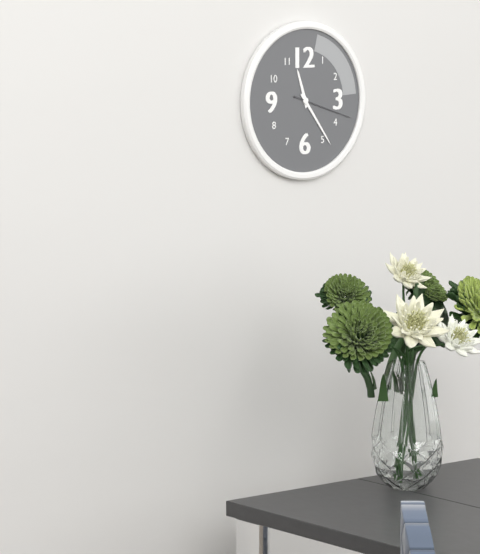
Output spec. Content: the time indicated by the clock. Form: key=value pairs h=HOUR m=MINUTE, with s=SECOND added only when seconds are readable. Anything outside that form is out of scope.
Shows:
h=11 m=24 s=18
